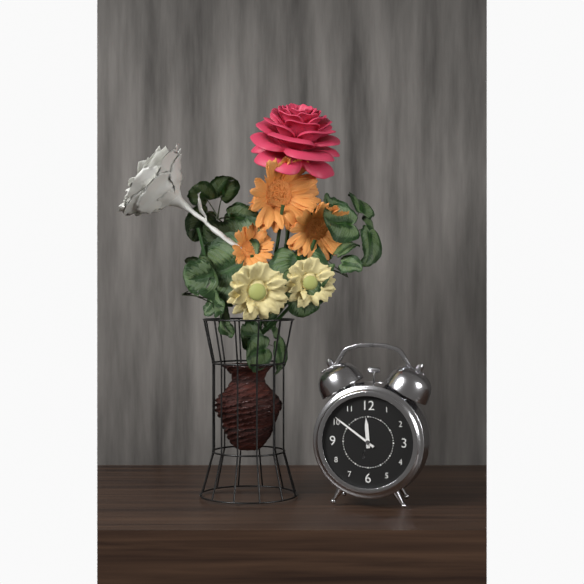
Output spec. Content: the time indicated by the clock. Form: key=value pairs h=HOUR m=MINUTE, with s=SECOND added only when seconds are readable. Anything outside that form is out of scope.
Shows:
h=11 m=51
